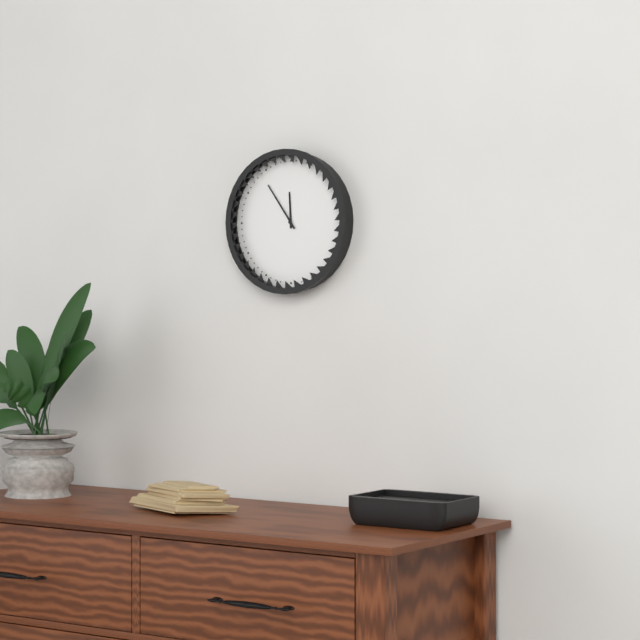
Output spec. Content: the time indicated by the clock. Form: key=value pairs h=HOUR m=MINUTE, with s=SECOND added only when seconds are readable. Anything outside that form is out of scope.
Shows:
h=11 m=54
